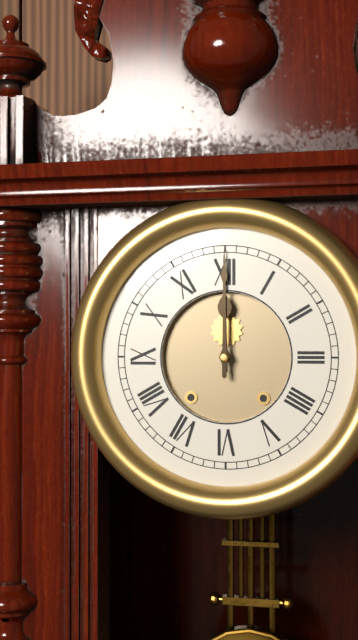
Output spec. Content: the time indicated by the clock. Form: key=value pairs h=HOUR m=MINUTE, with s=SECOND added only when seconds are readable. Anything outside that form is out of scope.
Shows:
h=12 m=0
